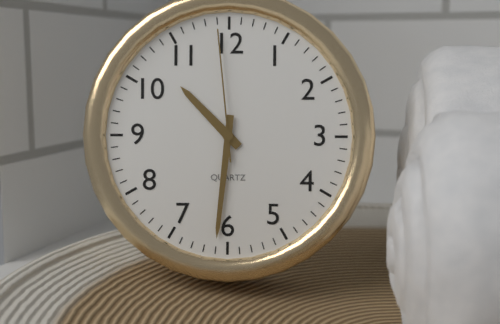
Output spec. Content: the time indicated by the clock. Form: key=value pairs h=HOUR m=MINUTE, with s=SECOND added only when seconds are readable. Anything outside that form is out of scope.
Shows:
h=10 m=31 s=59
